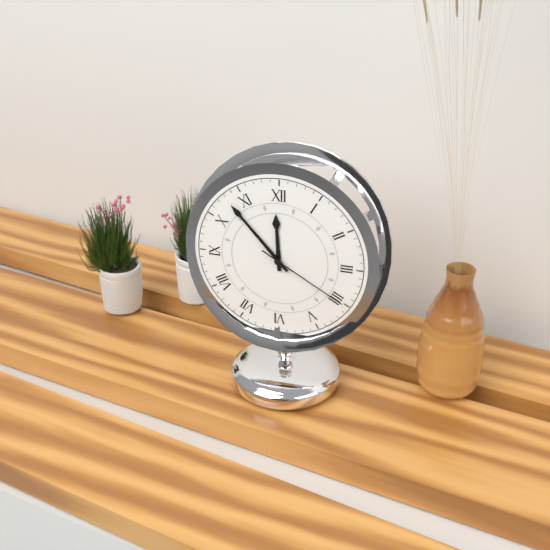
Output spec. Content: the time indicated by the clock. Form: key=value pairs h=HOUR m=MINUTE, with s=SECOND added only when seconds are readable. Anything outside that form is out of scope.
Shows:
h=11 m=53 s=20
